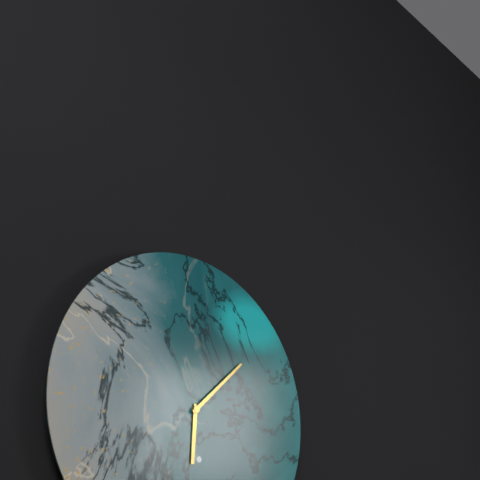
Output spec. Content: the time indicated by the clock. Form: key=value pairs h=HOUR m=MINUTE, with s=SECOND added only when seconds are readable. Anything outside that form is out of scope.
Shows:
h=6 m=8
